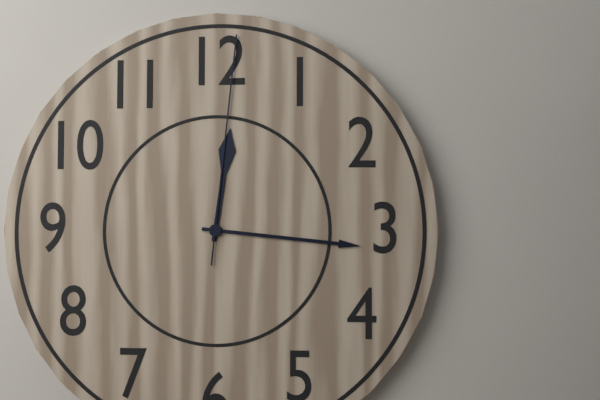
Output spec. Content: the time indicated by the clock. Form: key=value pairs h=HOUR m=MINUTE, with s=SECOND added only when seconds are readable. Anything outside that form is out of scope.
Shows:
h=12 m=16 s=1
